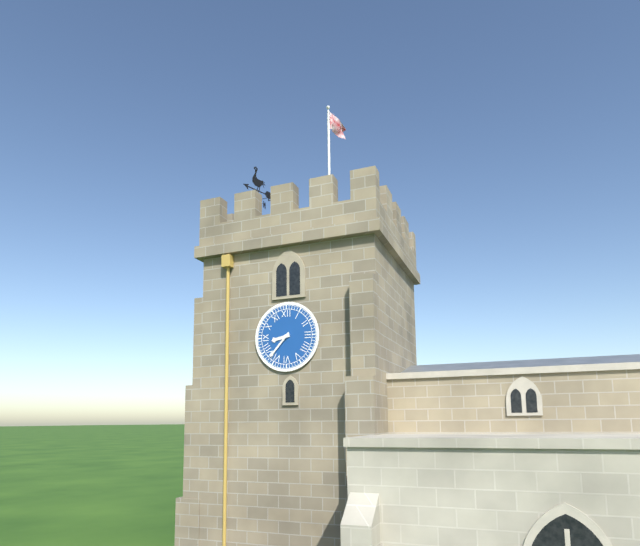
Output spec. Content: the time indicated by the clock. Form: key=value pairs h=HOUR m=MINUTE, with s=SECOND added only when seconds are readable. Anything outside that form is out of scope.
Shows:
h=8 m=37
